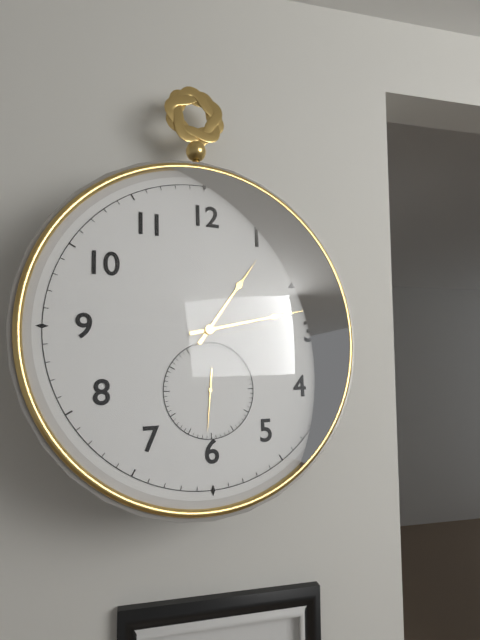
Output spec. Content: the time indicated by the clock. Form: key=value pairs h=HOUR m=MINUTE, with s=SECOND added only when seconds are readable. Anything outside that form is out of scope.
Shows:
h=1 m=13 s=31
